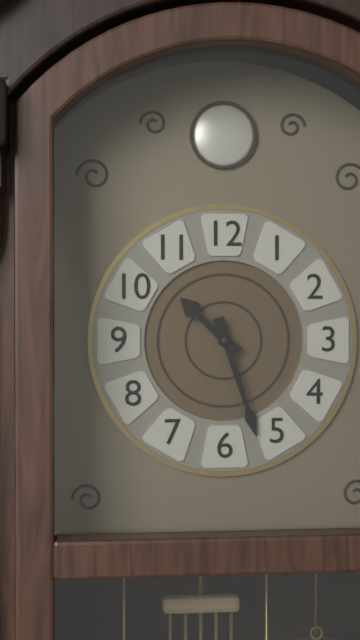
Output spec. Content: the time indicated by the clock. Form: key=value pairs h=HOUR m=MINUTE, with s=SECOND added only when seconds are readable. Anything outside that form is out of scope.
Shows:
h=10 m=27
